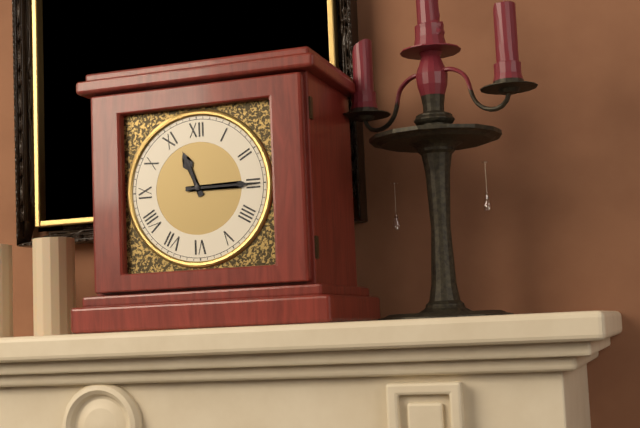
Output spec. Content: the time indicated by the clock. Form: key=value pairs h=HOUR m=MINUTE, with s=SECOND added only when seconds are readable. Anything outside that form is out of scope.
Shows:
h=11 m=15
